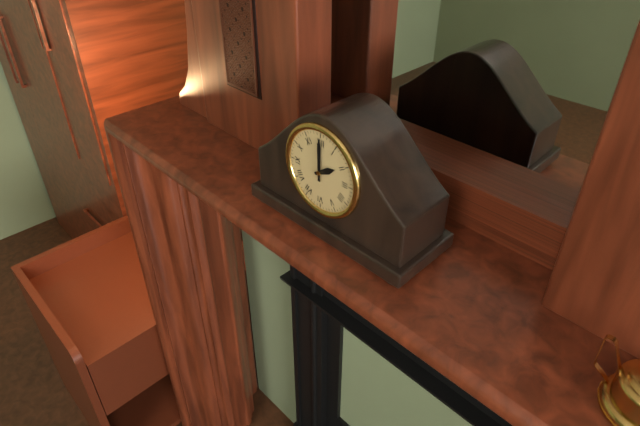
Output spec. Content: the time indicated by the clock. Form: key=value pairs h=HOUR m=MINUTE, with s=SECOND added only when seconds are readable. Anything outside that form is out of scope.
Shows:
h=2 m=0
